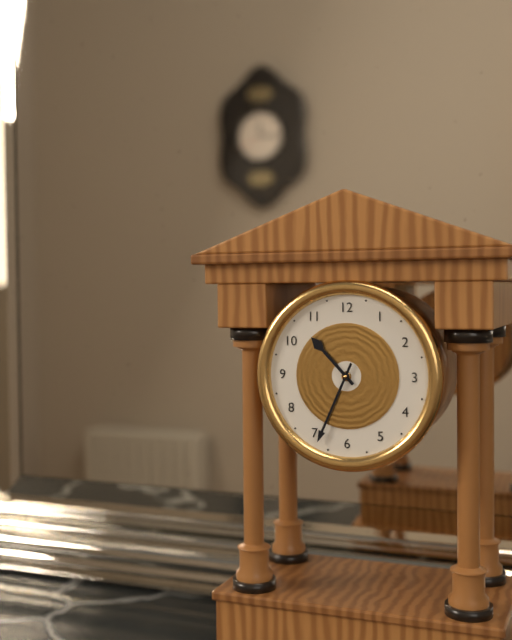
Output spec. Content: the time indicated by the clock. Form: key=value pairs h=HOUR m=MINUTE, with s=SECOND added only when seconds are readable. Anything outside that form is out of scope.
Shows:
h=10 m=34
